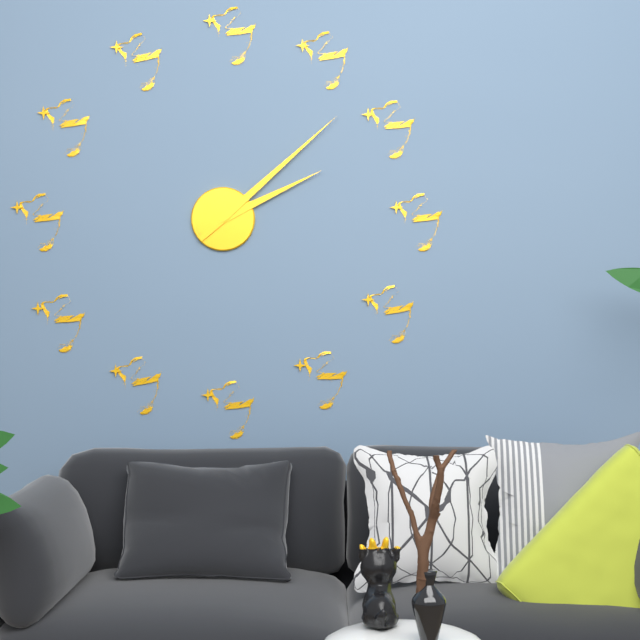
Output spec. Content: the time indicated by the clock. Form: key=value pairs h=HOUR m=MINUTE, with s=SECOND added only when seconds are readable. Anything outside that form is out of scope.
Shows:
h=2 m=8
